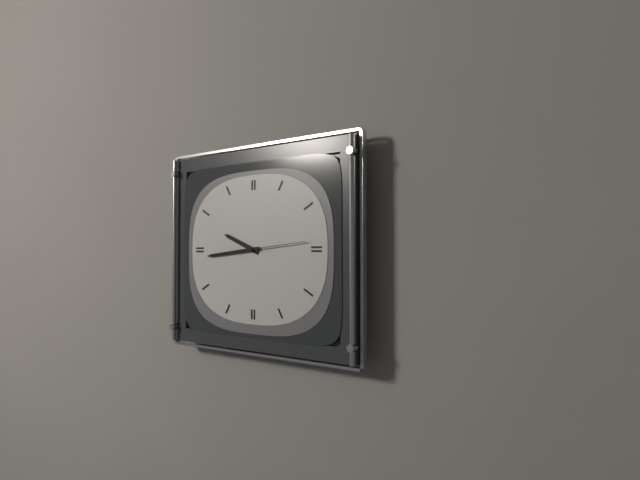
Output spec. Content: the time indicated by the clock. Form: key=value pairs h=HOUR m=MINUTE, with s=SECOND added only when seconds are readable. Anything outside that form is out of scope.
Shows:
h=9 m=44 s=14
